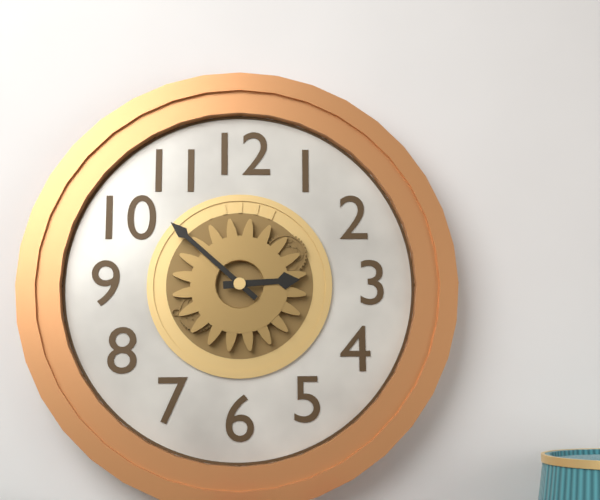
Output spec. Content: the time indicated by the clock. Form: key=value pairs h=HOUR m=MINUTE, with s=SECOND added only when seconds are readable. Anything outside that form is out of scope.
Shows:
h=2 m=52
